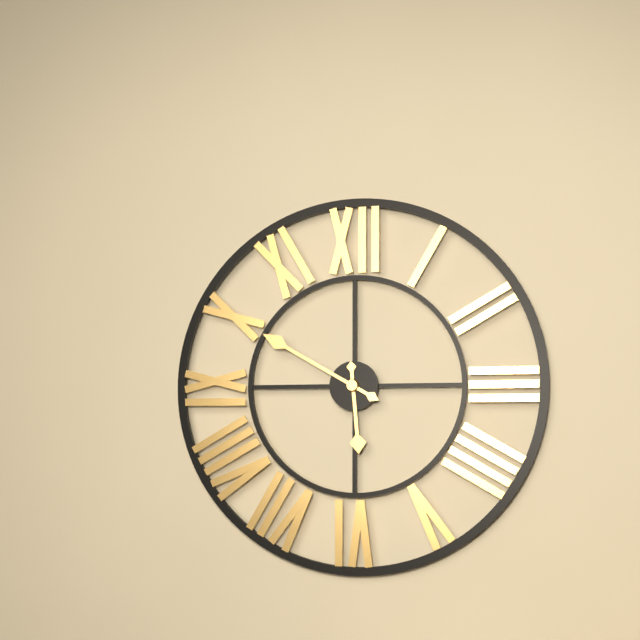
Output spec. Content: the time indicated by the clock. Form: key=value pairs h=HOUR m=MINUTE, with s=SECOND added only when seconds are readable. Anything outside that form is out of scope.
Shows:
h=5 m=50
